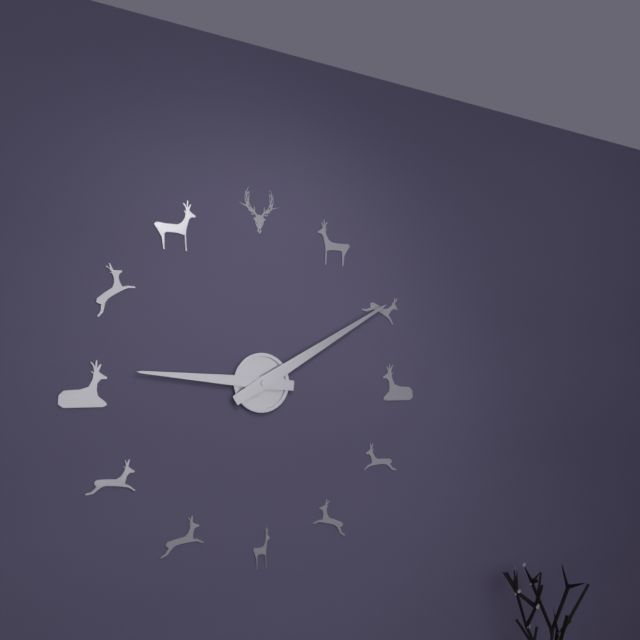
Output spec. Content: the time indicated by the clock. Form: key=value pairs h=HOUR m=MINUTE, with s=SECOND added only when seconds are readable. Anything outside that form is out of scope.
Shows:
h=9 m=10
